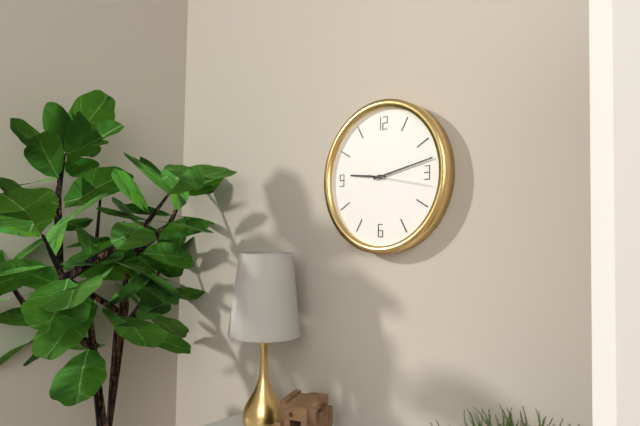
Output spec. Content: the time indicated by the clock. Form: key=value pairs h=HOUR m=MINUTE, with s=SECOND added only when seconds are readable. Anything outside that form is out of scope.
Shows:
h=9 m=13 s=17
